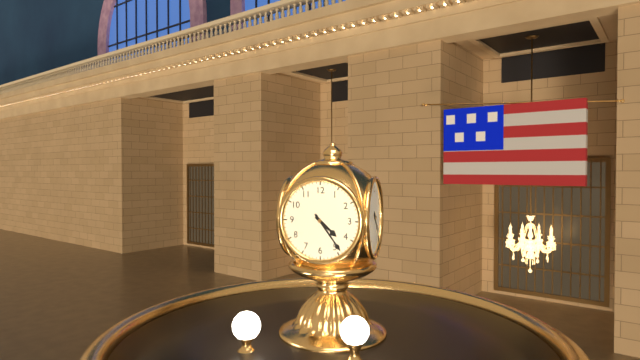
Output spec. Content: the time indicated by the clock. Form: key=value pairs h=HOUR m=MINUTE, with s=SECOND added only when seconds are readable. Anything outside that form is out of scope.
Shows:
h=4 m=24
